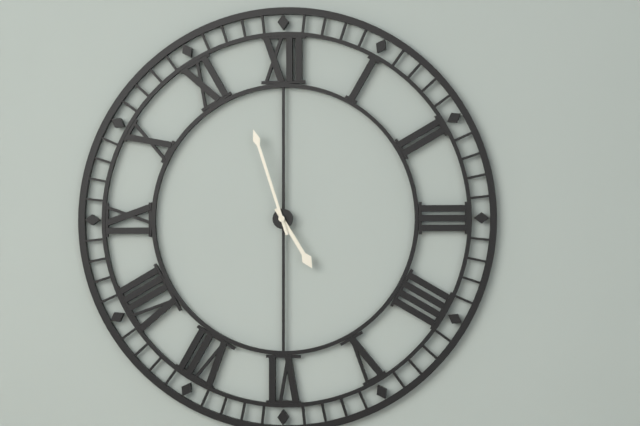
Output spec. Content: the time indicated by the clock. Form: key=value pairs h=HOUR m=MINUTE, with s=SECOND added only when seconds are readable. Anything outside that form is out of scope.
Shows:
h=4 m=57
